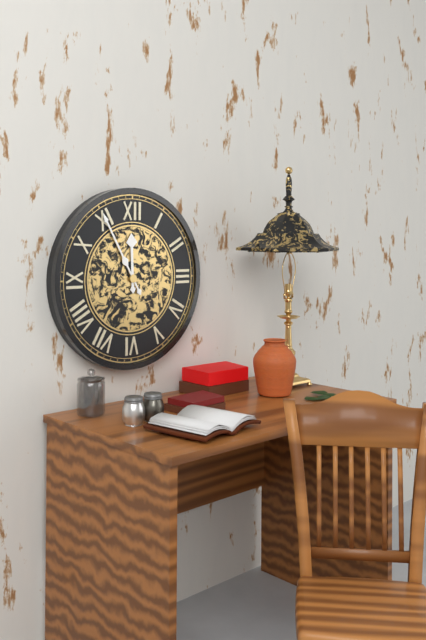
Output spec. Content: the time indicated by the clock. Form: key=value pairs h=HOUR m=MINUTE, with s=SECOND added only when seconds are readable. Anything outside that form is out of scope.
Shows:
h=11 m=55
